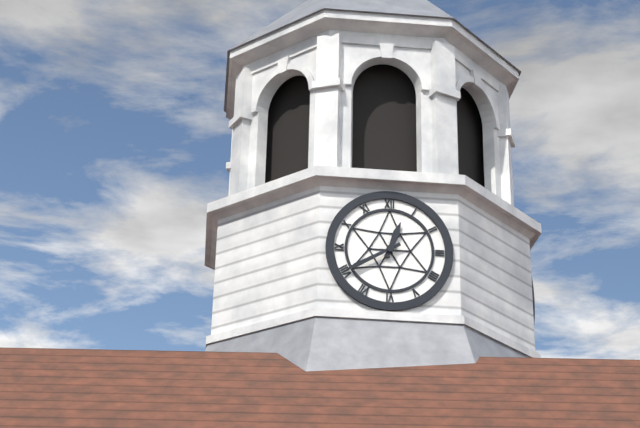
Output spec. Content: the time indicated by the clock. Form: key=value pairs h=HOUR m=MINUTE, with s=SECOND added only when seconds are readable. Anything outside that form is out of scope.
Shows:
h=12 m=40
